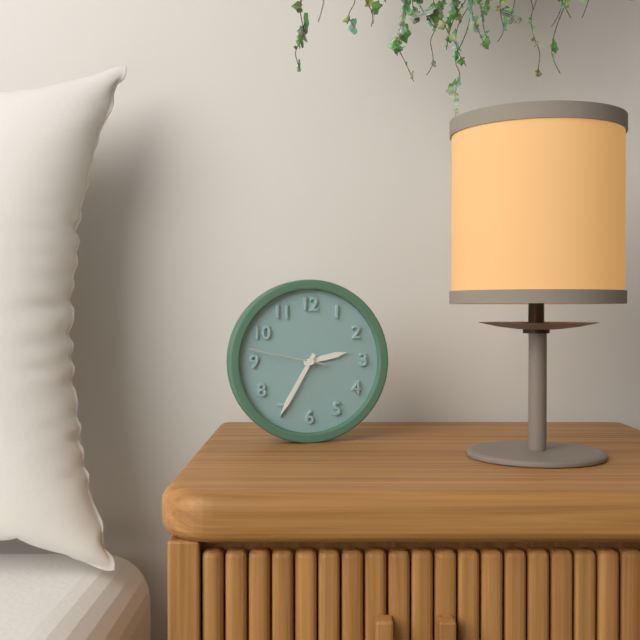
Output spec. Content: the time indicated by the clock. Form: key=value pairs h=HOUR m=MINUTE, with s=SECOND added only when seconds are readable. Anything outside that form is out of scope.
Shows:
h=2 m=35 s=47
